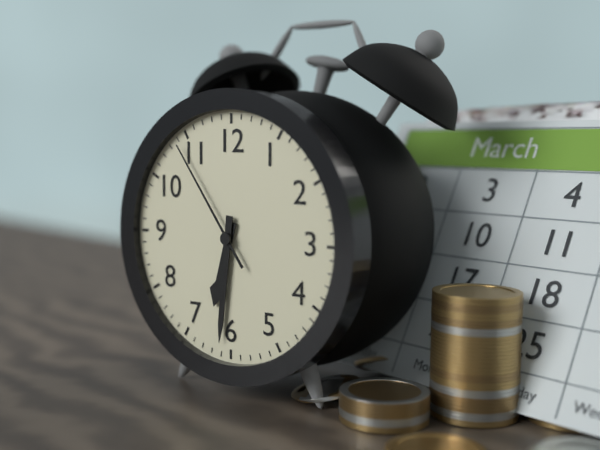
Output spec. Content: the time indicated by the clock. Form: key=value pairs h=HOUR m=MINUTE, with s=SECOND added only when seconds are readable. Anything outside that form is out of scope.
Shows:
h=6 m=31 s=54
